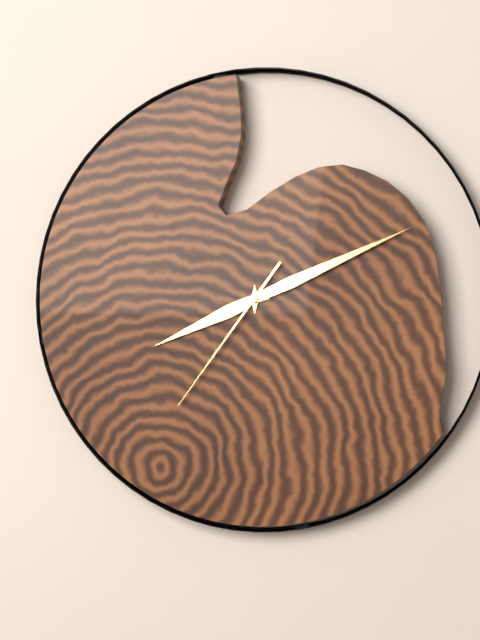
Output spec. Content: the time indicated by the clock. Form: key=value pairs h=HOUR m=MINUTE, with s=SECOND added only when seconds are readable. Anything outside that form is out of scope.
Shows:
h=8 m=11 s=36
